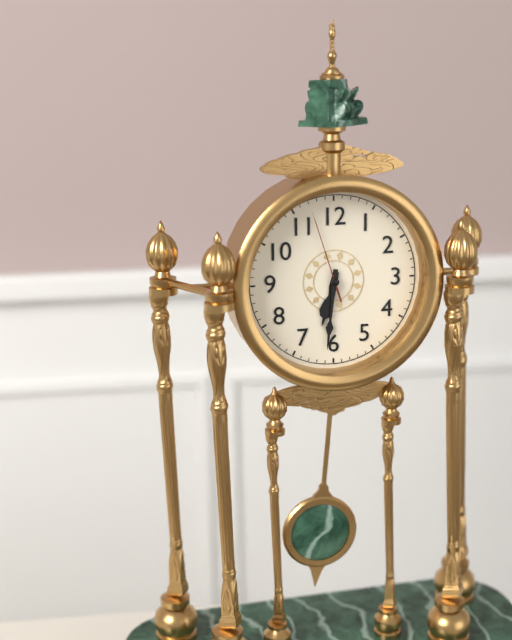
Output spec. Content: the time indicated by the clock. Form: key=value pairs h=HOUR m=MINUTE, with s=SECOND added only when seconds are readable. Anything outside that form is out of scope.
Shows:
h=6 m=31 s=57
